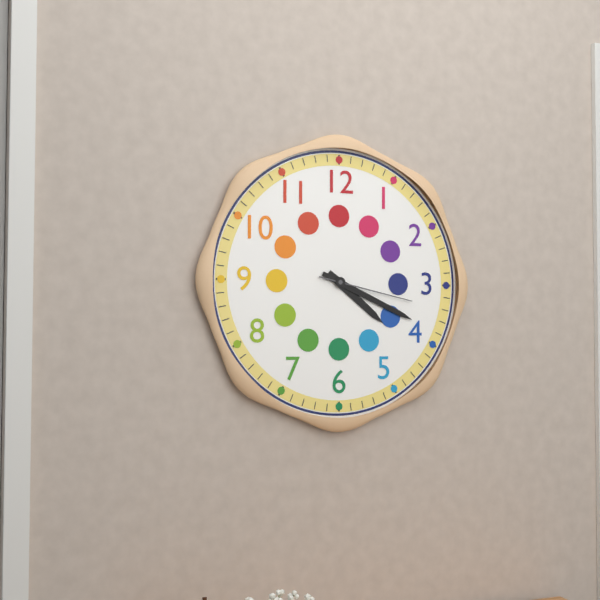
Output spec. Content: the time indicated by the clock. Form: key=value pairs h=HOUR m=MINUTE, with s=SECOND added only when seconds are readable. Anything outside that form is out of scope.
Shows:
h=4 m=19 s=17
